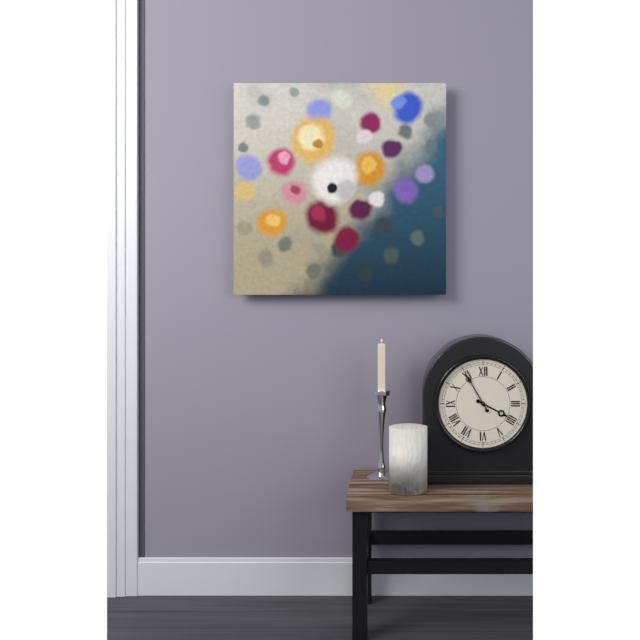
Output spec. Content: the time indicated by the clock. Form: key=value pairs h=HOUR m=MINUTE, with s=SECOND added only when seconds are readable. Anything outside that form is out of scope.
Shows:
h=3 m=55
